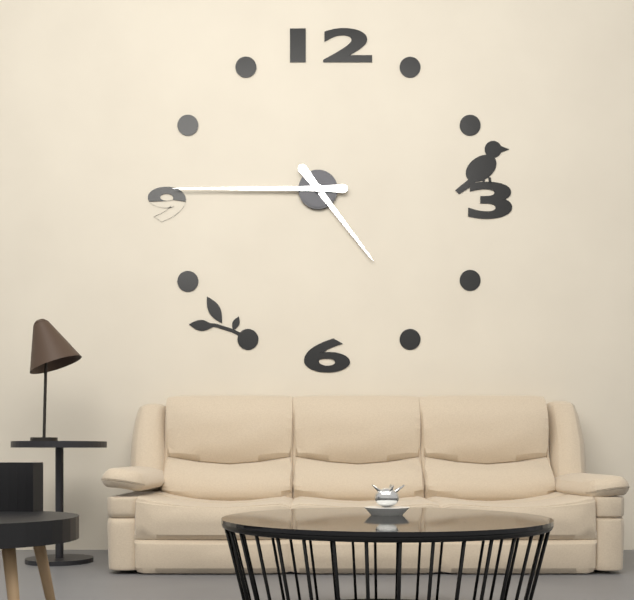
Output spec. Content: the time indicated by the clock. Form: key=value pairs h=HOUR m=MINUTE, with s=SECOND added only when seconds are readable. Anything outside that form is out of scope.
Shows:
h=4 m=45
